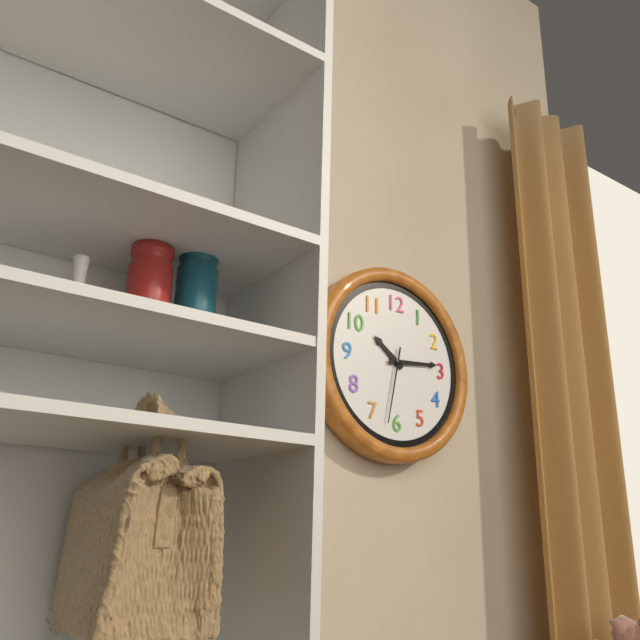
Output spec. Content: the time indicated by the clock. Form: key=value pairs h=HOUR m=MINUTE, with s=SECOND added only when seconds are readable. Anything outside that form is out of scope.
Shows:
h=10 m=14 s=32
